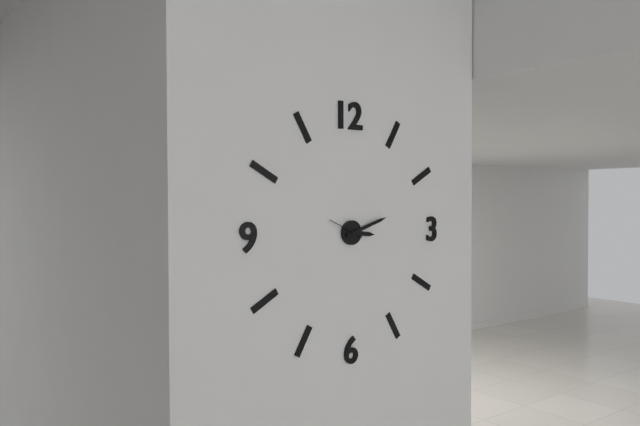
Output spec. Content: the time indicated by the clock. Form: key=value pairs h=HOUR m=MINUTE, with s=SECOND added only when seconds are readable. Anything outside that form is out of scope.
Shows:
h=3 m=12
